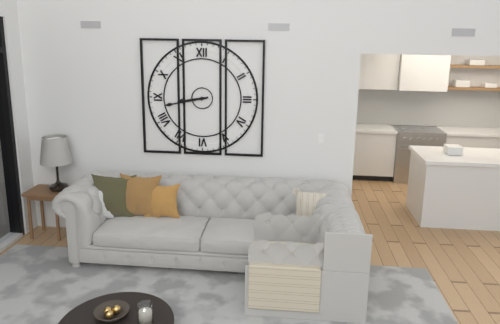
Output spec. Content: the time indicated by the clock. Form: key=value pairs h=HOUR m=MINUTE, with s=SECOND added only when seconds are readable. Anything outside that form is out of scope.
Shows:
h=8 m=43
